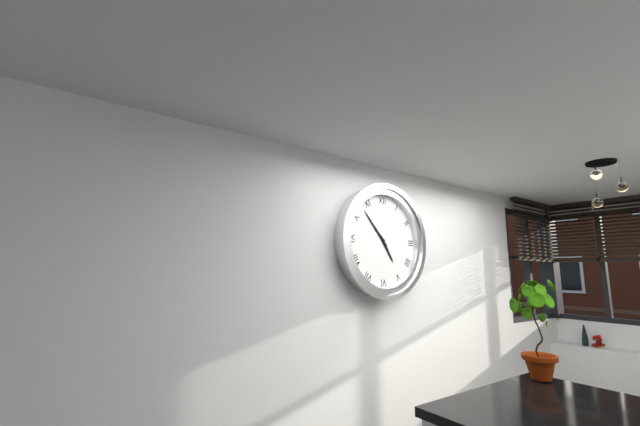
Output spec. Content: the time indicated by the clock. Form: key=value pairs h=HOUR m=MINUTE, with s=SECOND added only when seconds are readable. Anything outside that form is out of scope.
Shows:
h=4 m=53
